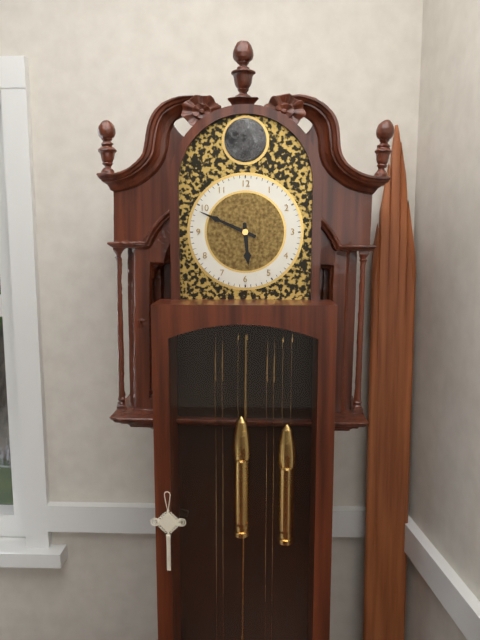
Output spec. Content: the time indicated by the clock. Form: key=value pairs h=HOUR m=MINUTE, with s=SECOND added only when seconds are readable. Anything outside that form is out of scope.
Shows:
h=5 m=49
